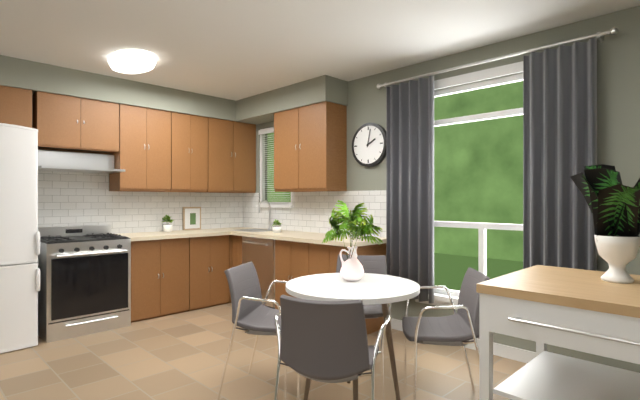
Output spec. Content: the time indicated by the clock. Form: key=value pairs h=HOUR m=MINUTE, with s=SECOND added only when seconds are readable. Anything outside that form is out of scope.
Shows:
h=2 m=2
